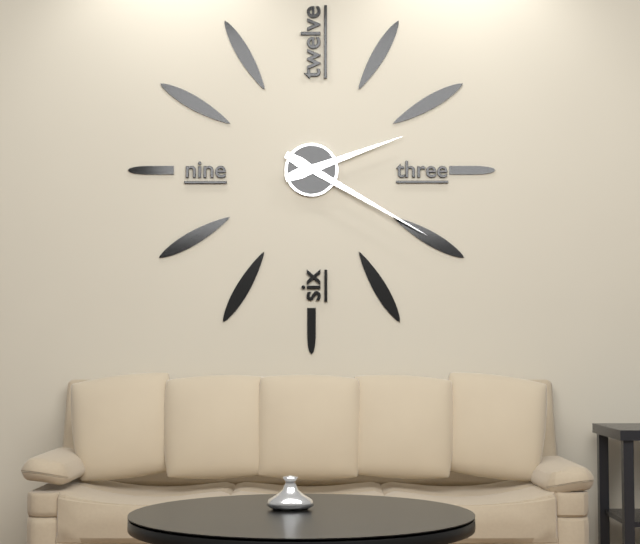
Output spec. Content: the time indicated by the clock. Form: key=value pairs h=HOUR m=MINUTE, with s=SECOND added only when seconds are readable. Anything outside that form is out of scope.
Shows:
h=2 m=20
